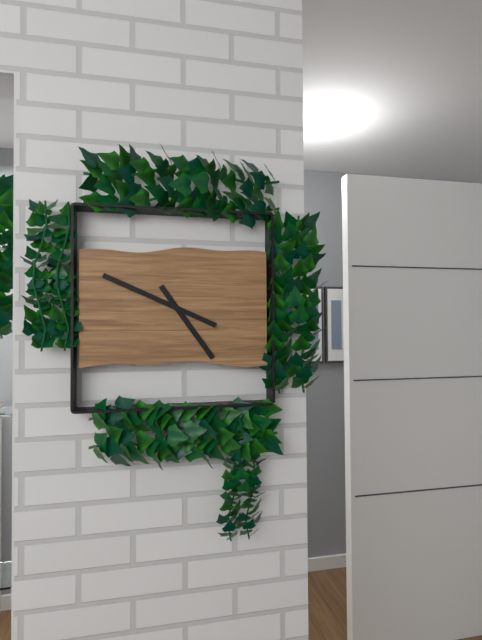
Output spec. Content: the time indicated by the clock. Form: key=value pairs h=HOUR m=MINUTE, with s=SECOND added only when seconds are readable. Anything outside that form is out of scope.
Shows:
h=4 m=49
